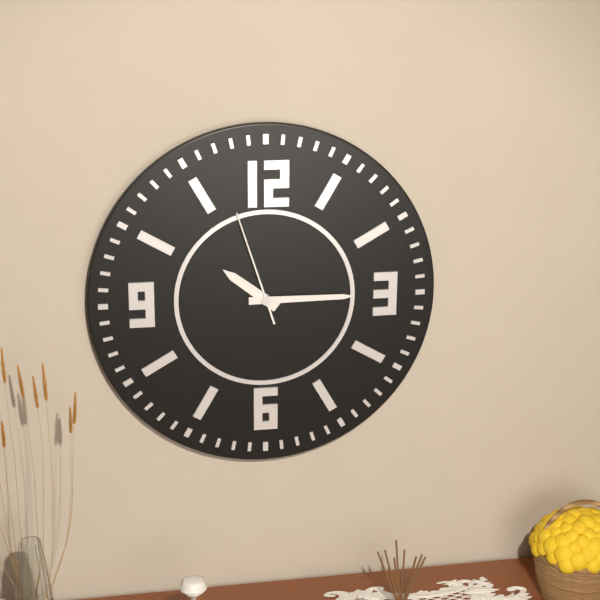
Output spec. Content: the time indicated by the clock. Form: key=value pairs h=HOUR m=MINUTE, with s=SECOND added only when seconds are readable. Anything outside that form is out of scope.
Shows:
h=10 m=15 s=57
